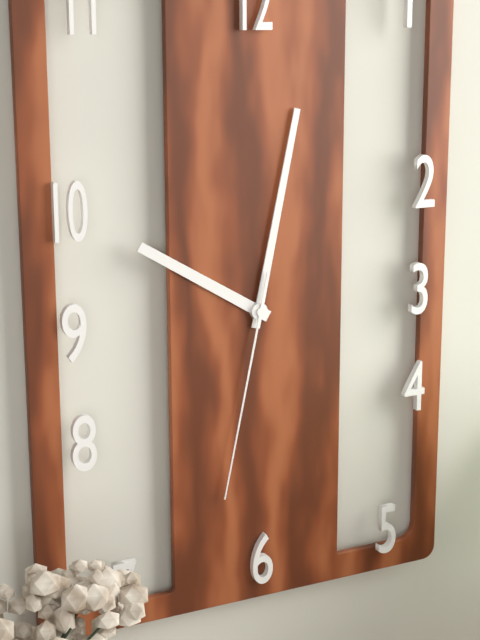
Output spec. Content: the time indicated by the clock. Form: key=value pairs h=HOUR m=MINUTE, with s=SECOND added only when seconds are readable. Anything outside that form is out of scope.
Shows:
h=10 m=2 s=32
